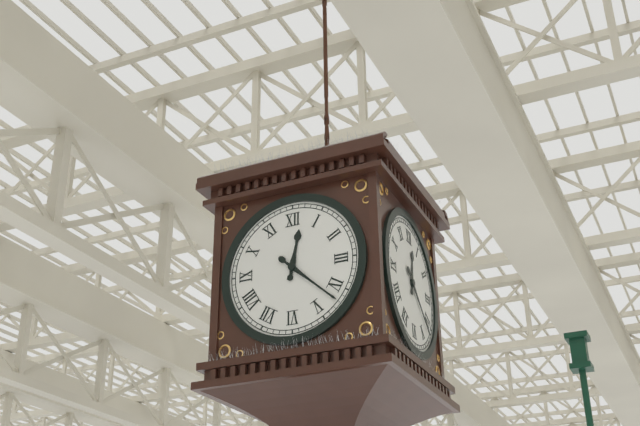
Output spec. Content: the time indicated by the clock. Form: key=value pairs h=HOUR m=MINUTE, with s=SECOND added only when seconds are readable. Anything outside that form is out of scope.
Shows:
h=12 m=22
